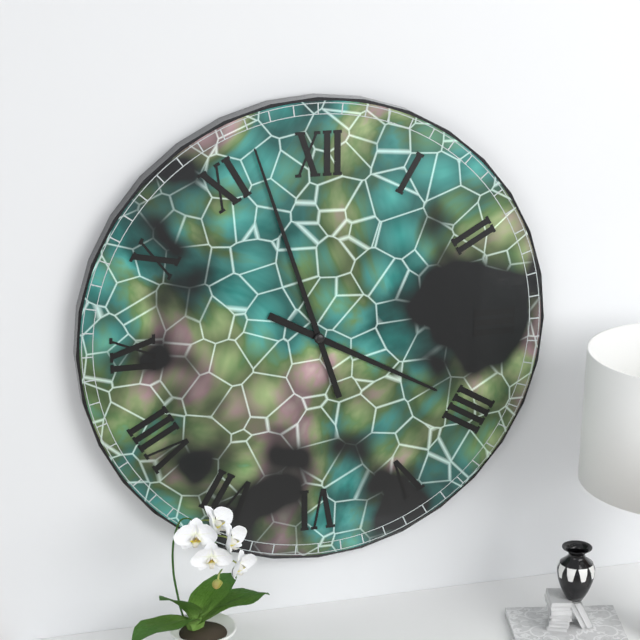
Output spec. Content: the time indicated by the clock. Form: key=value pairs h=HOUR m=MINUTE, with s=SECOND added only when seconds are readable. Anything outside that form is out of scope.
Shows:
h=3 m=57
